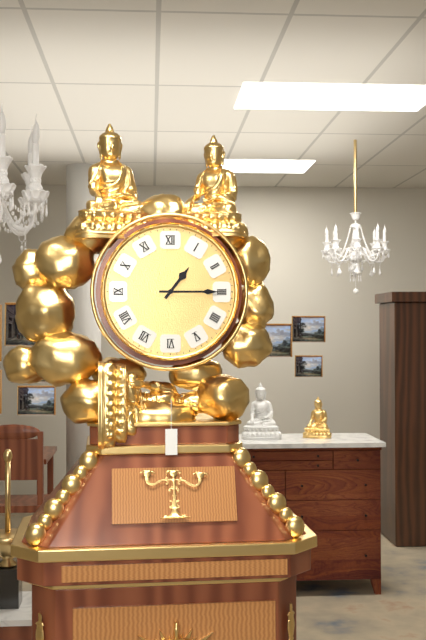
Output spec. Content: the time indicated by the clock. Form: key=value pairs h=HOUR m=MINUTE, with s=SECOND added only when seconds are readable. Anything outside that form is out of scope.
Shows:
h=1 m=15
